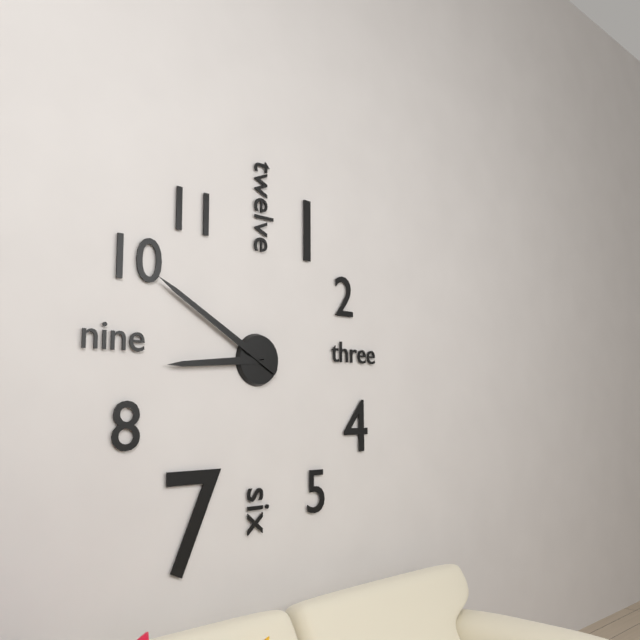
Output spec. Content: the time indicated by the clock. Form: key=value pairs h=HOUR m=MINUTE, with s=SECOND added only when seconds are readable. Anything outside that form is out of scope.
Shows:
h=8 m=50
